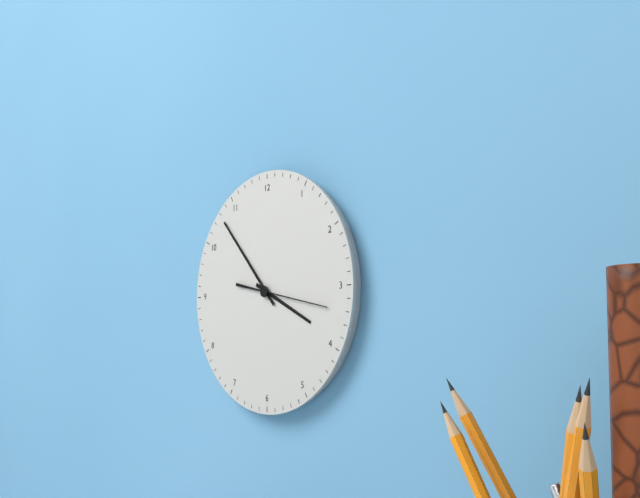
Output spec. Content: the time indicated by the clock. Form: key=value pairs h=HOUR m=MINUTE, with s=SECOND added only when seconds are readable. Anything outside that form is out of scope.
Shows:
h=3 m=53 s=17
